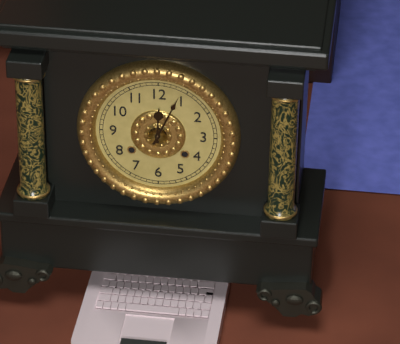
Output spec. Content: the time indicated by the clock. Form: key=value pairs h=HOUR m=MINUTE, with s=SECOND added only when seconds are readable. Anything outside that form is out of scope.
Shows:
h=12 m=4
